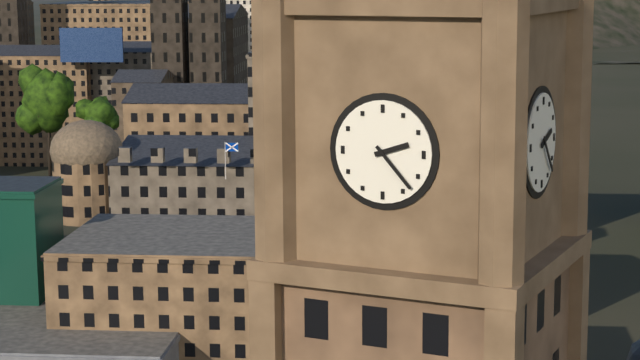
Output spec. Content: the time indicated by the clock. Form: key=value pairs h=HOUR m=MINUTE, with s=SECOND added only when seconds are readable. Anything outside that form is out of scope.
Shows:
h=2 m=23
